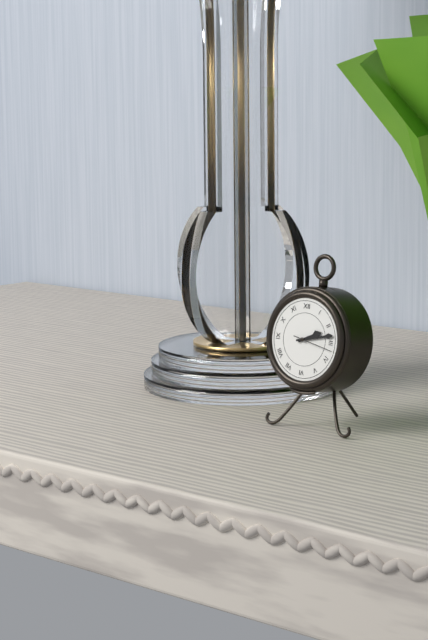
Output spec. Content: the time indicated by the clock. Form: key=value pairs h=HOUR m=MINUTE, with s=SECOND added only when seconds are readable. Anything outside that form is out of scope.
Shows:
h=2 m=13
